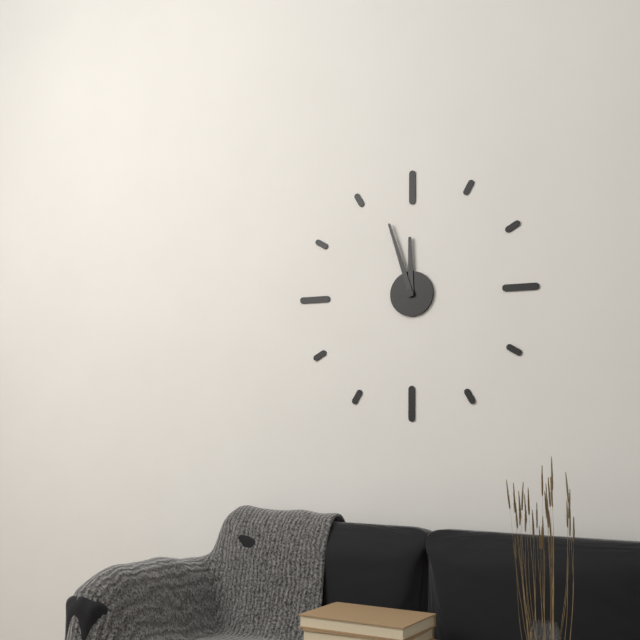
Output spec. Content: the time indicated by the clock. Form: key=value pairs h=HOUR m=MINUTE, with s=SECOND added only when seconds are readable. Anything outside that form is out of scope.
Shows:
h=11 m=57
